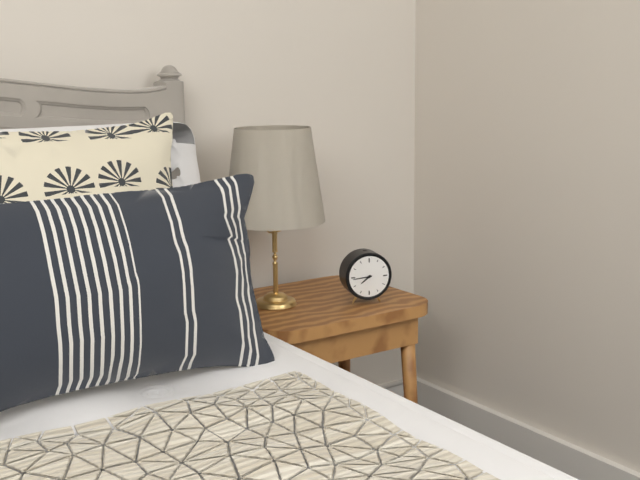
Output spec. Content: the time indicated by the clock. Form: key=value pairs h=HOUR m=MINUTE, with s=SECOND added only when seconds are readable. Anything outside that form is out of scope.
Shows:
h=7 m=44
